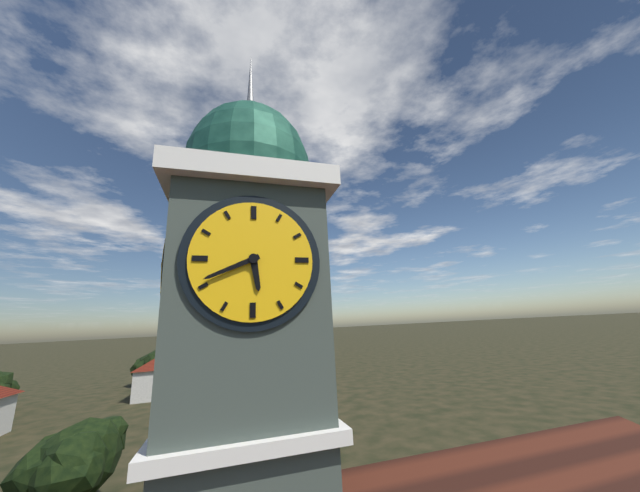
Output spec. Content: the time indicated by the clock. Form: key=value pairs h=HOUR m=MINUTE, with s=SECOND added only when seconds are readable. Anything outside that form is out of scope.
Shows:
h=5 m=41
